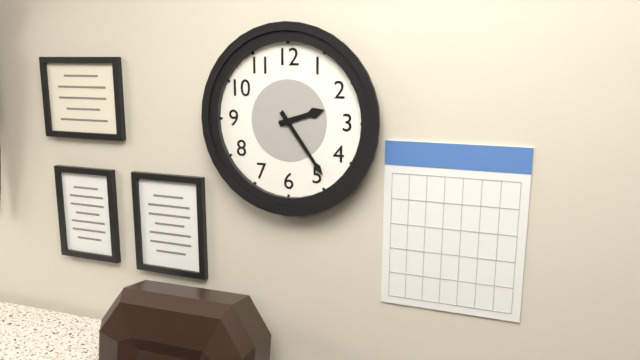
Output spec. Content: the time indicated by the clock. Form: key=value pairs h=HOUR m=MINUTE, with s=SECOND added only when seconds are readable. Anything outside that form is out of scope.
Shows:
h=2 m=24
